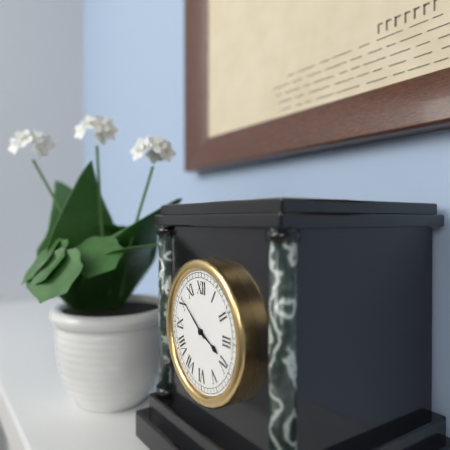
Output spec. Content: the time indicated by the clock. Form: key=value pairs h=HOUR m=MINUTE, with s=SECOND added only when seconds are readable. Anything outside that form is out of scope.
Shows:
h=3 m=51
